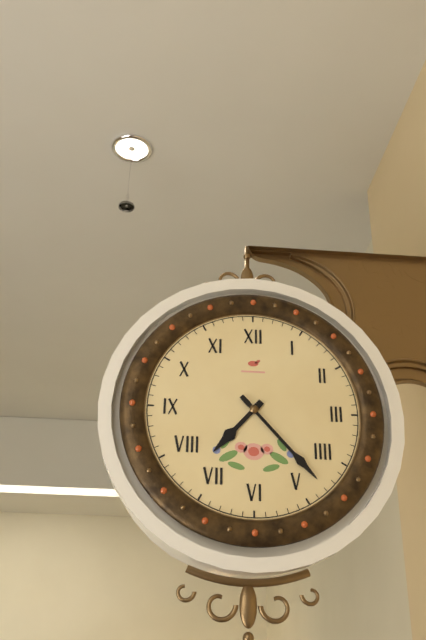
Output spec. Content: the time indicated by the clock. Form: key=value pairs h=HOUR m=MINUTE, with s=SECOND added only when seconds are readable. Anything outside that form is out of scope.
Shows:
h=7 m=23
